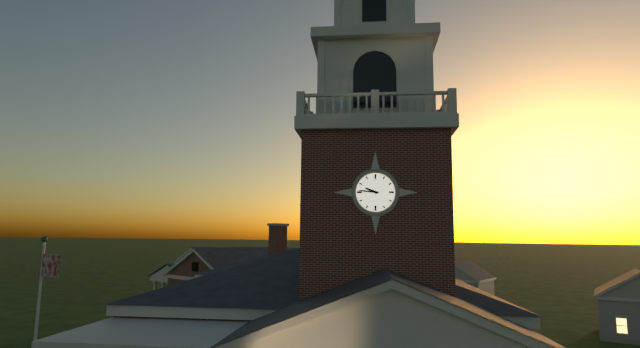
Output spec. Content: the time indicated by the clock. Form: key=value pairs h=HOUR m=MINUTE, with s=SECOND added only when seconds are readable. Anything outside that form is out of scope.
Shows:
h=9 m=46
